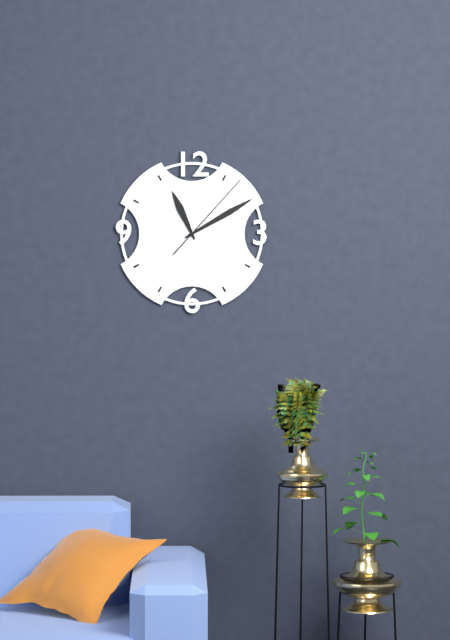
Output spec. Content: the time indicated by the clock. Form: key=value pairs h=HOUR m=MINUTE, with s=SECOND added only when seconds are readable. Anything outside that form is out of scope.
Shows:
h=11 m=10 s=7
